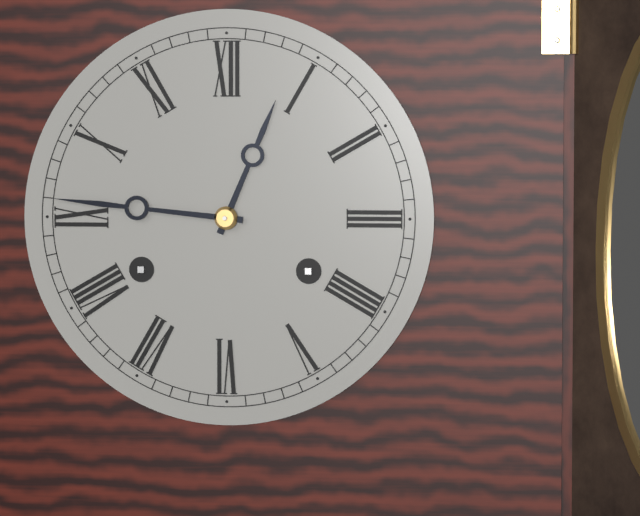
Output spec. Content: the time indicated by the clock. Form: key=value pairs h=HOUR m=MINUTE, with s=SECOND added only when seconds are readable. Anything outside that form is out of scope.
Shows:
h=12 m=46
